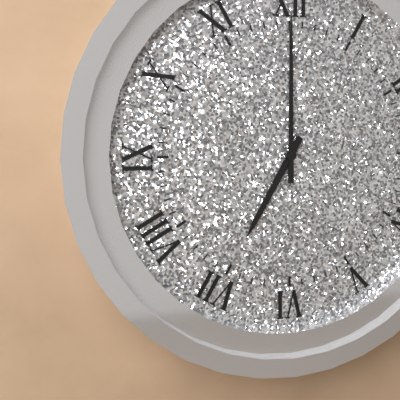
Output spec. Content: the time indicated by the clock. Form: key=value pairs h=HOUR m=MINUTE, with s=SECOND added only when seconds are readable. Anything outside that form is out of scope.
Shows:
h=7 m=0
